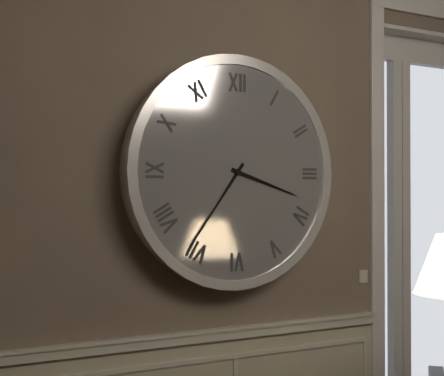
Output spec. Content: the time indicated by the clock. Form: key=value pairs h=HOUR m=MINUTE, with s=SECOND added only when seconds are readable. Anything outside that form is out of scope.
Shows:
h=3 m=36
